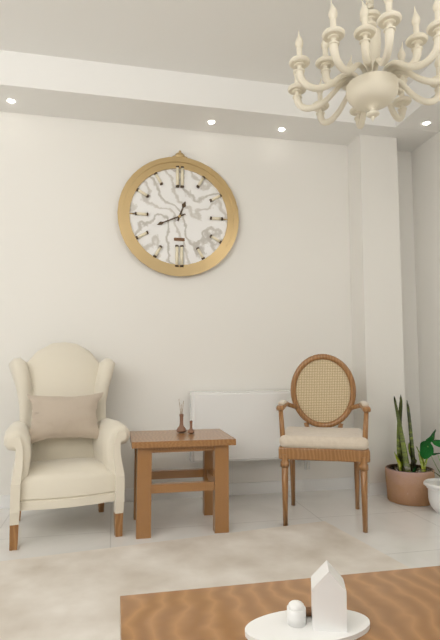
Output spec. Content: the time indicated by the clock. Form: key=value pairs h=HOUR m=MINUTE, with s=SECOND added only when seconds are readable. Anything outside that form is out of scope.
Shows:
h=12 m=41
